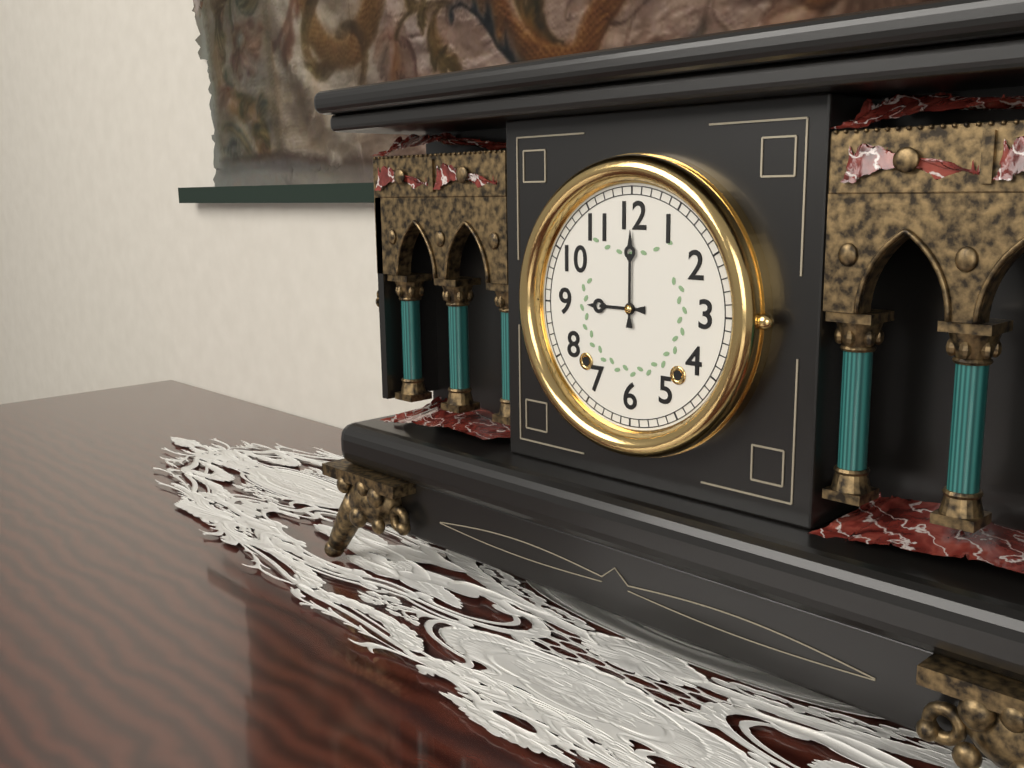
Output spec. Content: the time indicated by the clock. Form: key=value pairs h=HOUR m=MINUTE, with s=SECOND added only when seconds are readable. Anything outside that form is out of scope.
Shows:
h=9 m=0
